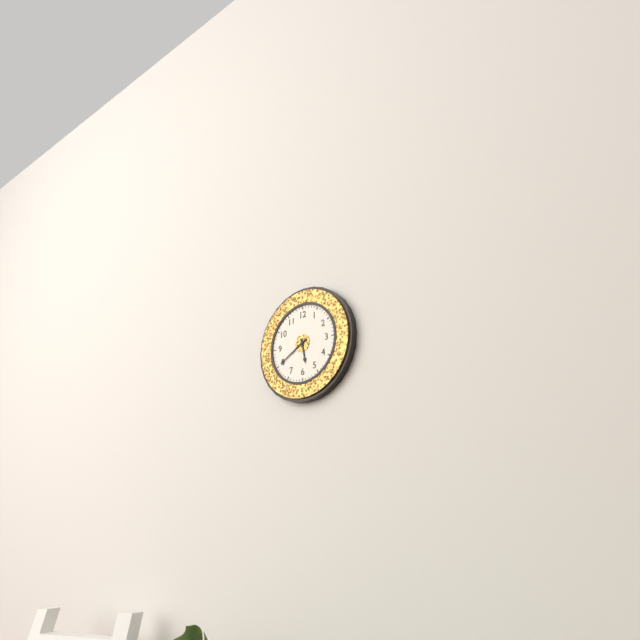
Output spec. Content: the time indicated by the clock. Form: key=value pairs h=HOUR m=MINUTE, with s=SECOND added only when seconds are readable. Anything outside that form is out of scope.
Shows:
h=5 m=40
